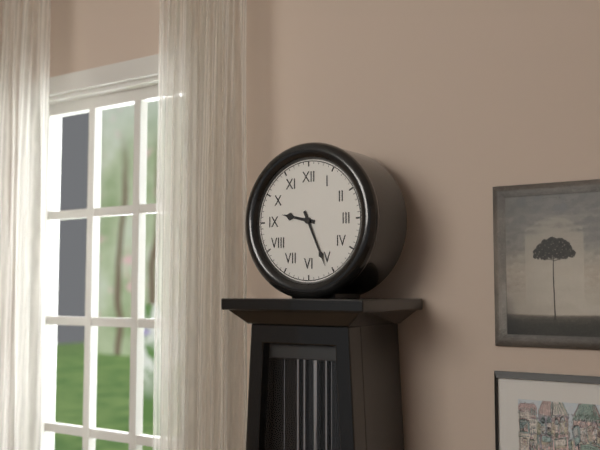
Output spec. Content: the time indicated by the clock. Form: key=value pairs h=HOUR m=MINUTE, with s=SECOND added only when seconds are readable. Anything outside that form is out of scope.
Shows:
h=9 m=26
